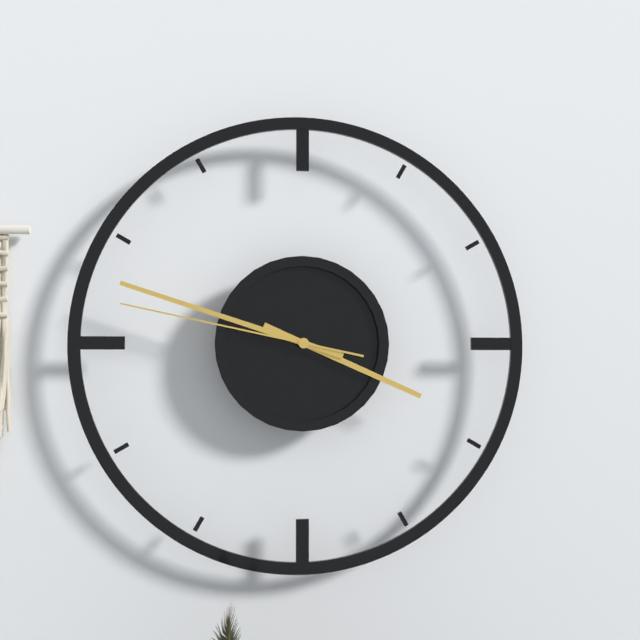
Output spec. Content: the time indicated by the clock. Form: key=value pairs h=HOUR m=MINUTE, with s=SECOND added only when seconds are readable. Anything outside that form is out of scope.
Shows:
h=3 m=48 s=47
